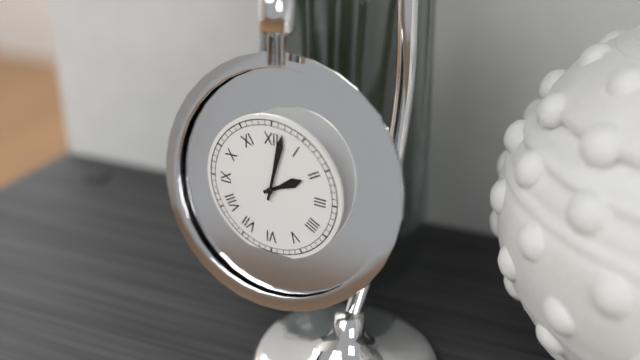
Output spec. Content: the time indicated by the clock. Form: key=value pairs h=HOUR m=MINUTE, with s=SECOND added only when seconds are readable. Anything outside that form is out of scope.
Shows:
h=2 m=2
